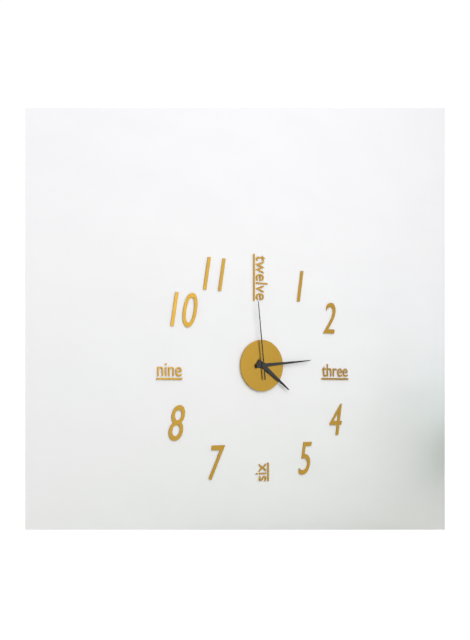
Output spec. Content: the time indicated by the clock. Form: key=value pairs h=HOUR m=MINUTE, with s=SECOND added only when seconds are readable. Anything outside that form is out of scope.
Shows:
h=4 m=14 s=59
